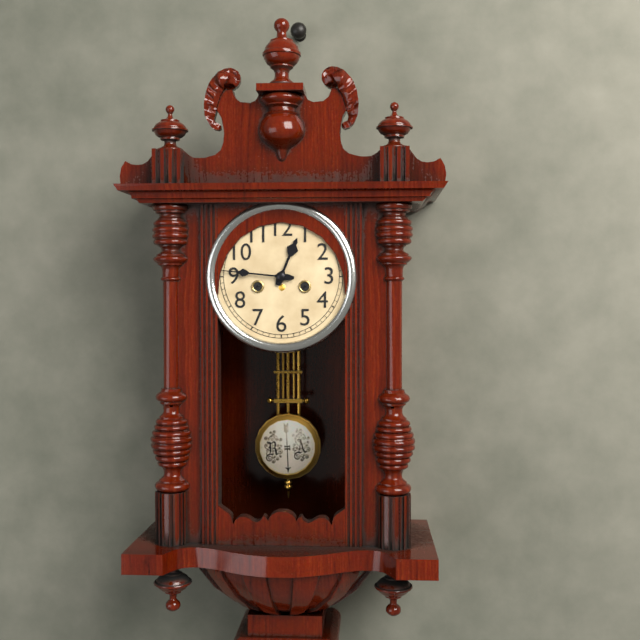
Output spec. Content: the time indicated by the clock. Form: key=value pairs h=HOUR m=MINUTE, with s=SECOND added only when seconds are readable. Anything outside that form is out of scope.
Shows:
h=12 m=46
